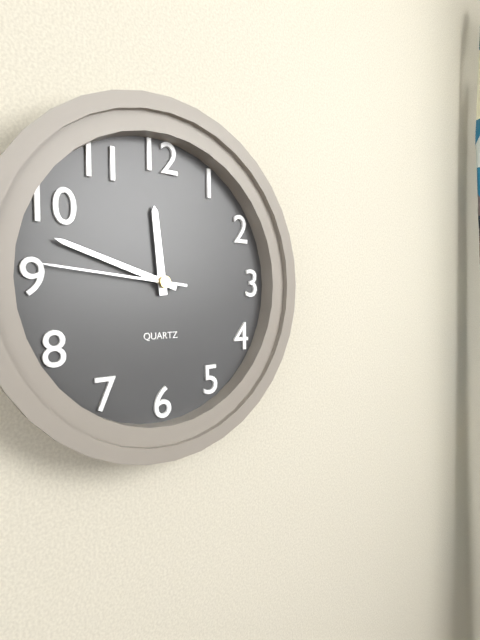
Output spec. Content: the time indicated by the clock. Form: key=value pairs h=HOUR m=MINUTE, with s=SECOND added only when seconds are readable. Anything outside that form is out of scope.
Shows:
h=11 m=48 s=46
